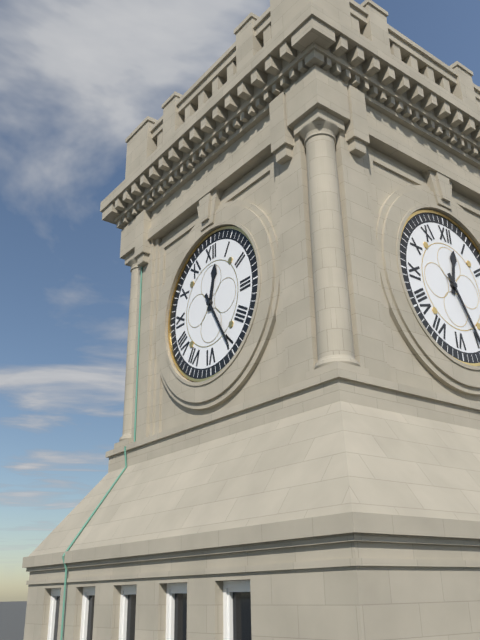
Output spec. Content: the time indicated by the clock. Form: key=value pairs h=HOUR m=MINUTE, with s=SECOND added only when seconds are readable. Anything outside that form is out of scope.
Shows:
h=12 m=25
